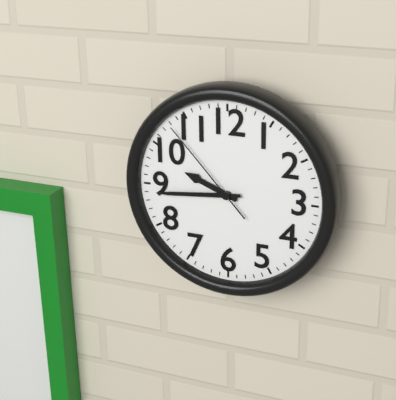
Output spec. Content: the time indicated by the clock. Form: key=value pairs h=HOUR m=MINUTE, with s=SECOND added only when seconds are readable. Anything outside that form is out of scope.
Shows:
h=9 m=44 s=53
